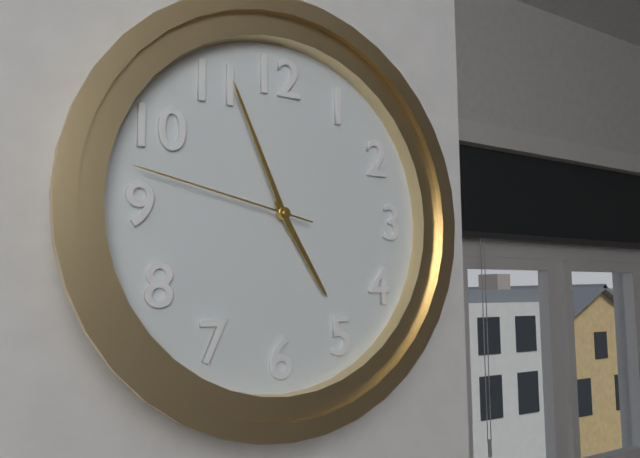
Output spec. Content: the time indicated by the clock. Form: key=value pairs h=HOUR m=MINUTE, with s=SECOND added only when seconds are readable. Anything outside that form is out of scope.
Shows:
h=4 m=56 s=47
